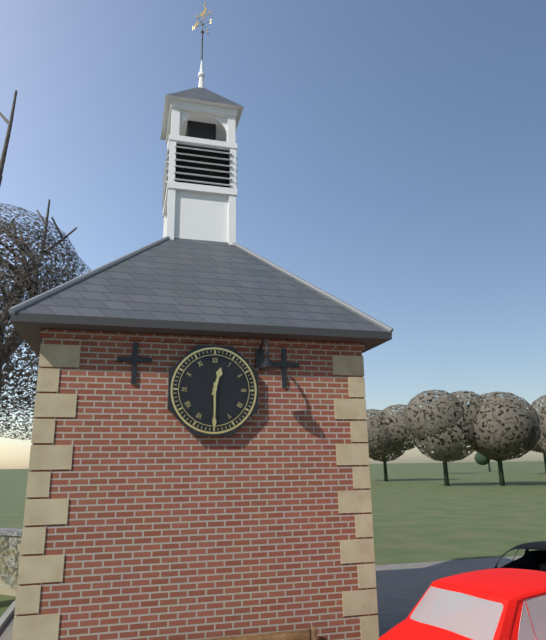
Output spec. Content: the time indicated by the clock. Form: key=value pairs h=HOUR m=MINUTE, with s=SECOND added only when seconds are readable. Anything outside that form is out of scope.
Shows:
h=12 m=30
